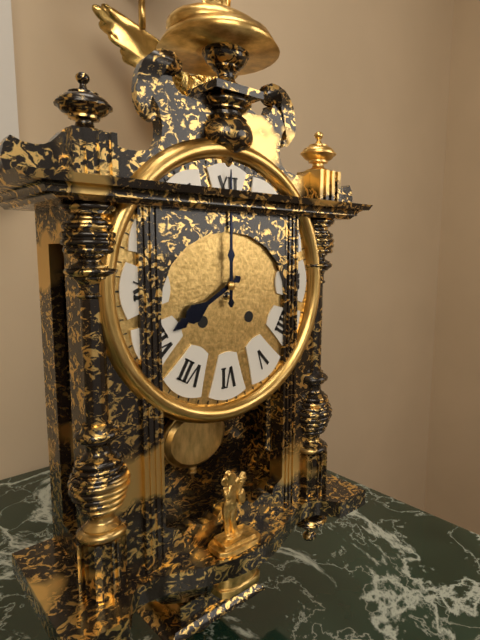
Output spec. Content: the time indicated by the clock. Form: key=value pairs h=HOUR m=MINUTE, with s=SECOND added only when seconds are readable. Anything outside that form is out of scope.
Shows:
h=8 m=0
